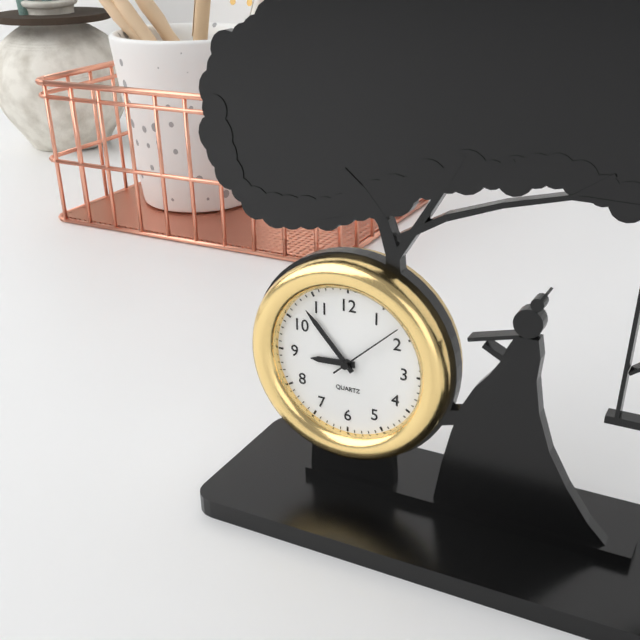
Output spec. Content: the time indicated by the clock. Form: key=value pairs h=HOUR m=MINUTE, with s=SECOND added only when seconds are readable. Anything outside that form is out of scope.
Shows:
h=8 m=53 s=8
